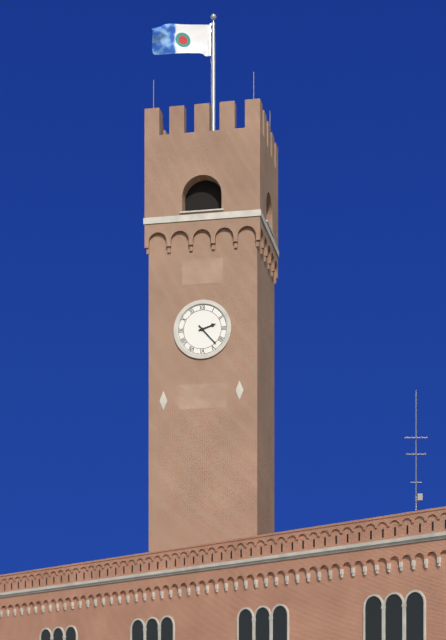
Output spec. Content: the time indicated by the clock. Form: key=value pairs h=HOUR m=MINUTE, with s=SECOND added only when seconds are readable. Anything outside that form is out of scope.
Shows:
h=2 m=23
